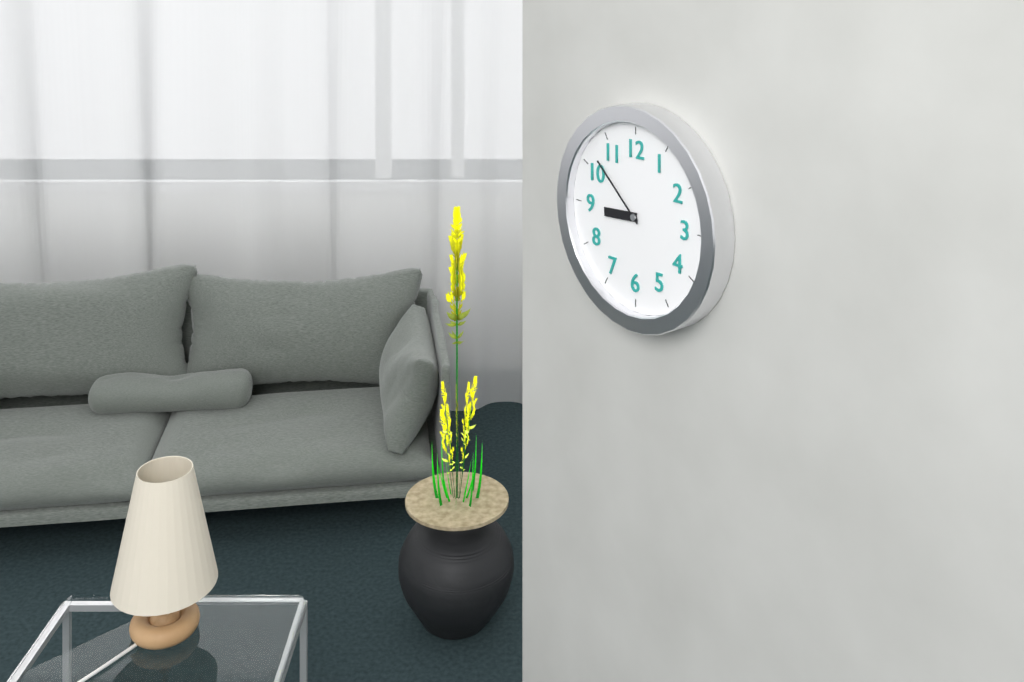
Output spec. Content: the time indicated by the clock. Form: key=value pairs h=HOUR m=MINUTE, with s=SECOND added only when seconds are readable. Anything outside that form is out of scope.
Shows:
h=8 m=52
